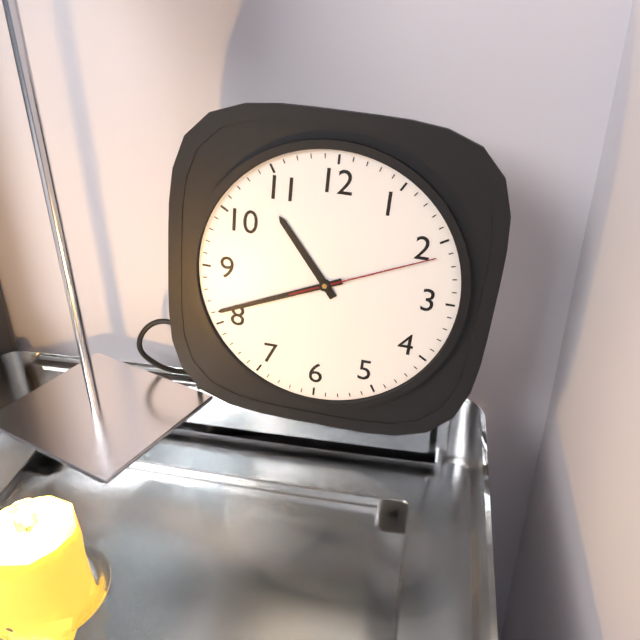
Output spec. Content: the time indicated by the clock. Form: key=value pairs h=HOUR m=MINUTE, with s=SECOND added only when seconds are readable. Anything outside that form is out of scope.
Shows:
h=10 m=41 s=11
